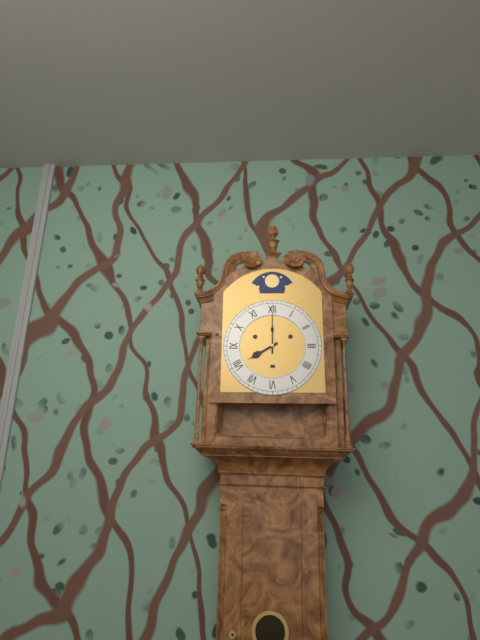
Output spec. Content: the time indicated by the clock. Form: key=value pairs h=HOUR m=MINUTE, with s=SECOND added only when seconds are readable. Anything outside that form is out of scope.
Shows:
h=8 m=0
